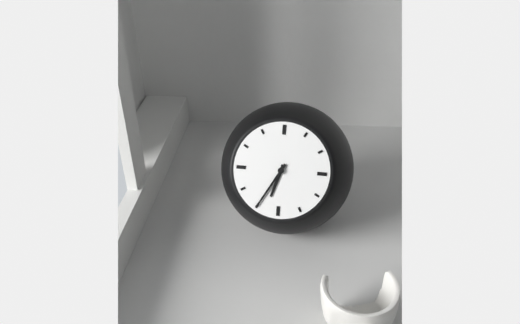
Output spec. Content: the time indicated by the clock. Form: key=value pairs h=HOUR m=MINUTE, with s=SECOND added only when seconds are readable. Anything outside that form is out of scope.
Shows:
h=6 m=35
